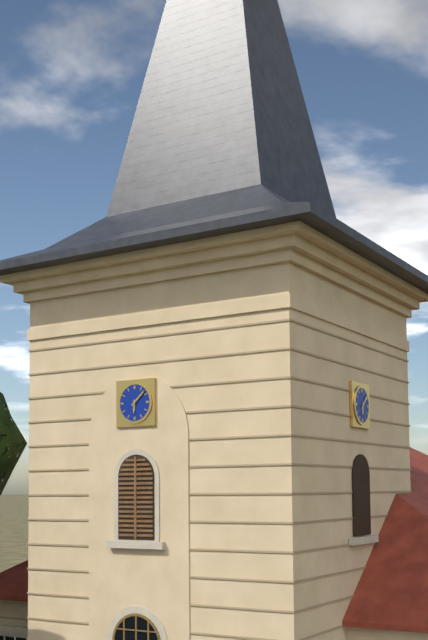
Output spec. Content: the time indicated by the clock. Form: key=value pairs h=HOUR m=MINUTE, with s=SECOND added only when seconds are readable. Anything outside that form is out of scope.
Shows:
h=6 m=8
